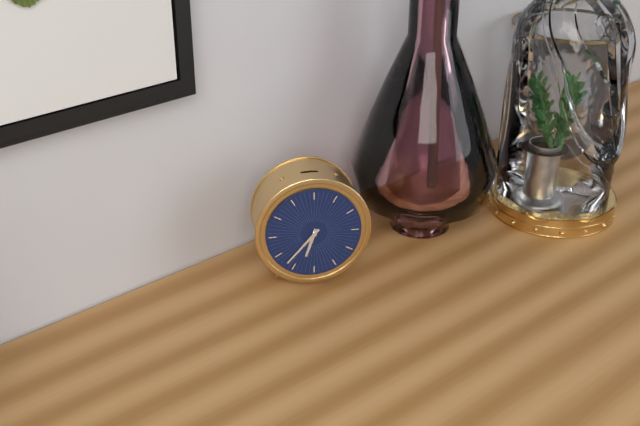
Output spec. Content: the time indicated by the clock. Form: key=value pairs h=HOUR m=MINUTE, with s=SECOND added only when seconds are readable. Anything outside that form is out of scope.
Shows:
h=6 m=37
